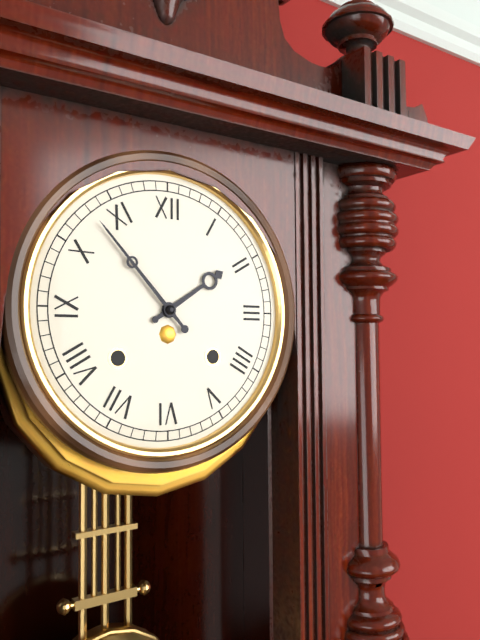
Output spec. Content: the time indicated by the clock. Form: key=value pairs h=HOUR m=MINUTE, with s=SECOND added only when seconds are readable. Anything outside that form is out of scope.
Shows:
h=1 m=53
